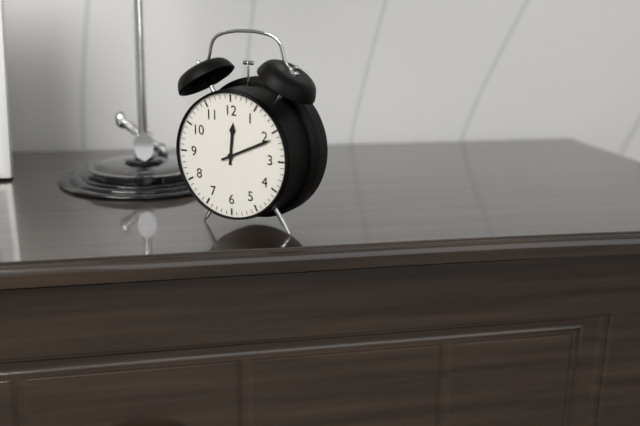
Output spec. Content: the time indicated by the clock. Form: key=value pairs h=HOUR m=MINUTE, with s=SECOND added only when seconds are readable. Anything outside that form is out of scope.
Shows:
h=12 m=11
